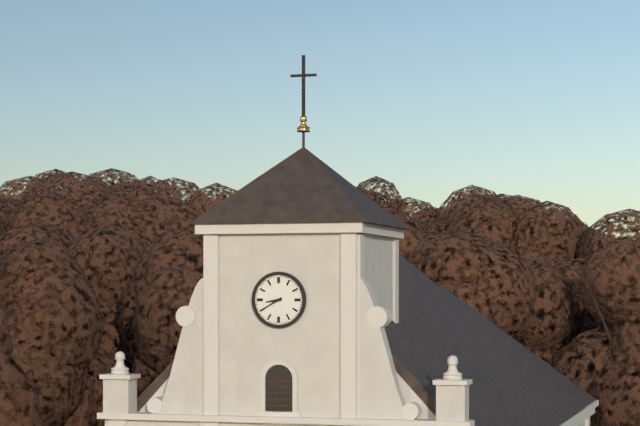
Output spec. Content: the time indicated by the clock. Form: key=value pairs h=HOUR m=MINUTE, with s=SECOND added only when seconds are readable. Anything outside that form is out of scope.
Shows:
h=8 m=40
